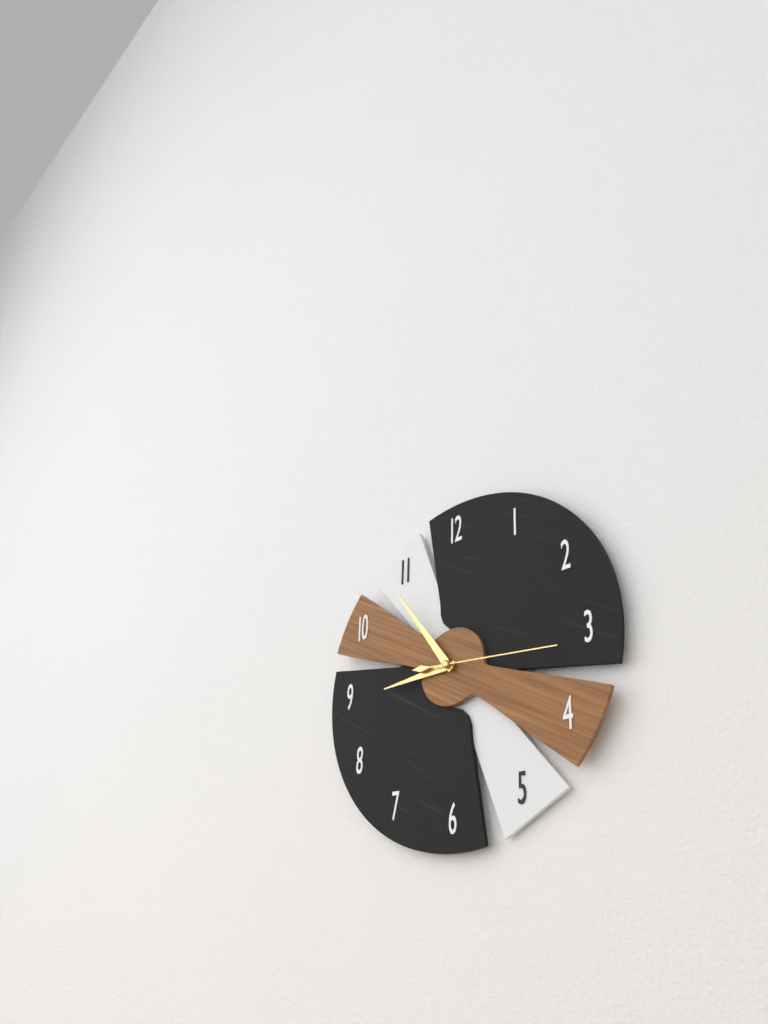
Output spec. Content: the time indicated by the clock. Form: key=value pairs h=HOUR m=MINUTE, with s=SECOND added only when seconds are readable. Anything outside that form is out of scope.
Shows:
h=8 m=54 s=16
